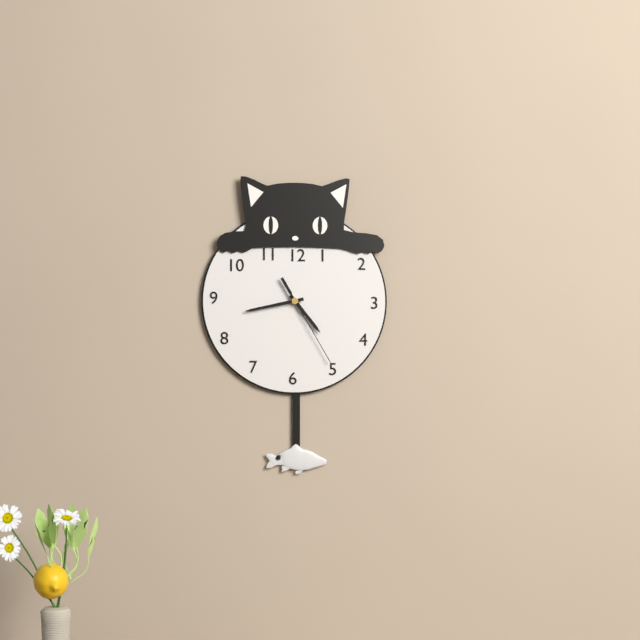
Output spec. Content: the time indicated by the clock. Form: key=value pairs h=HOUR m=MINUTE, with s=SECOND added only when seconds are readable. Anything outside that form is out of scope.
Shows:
h=4 m=43 s=25
